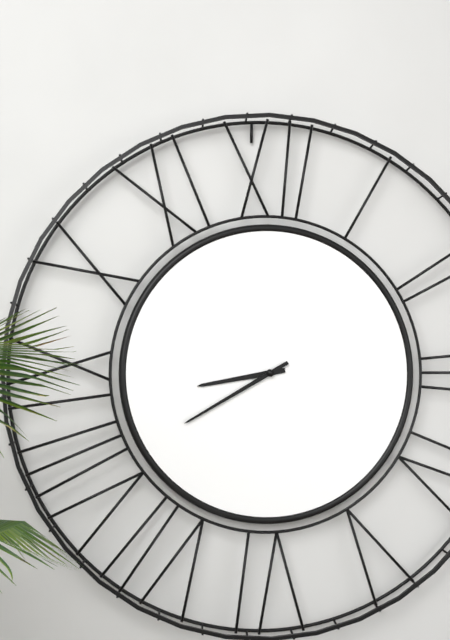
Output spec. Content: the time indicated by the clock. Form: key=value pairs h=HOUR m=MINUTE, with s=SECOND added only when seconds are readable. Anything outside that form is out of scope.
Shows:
h=8 m=40
